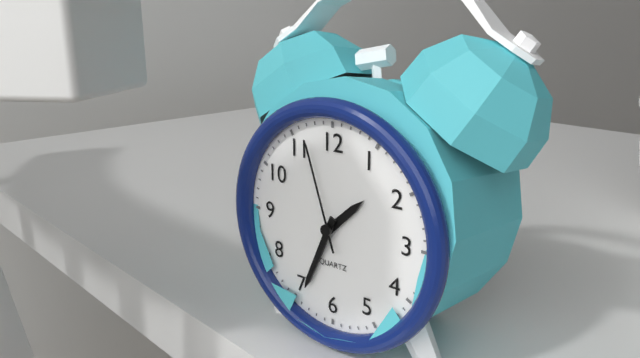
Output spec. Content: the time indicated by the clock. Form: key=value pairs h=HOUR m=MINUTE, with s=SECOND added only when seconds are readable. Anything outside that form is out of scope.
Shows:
h=1 m=34 s=57
